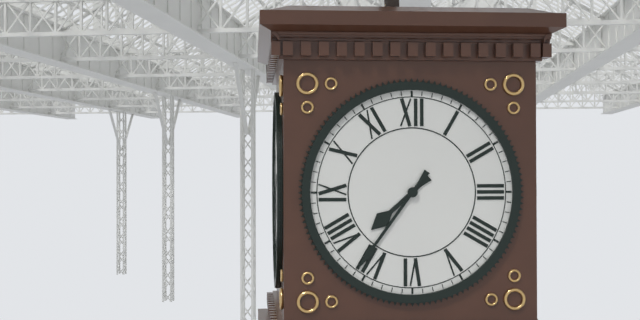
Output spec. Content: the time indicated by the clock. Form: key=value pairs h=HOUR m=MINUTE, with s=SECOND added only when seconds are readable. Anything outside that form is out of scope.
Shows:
h=7 m=36
